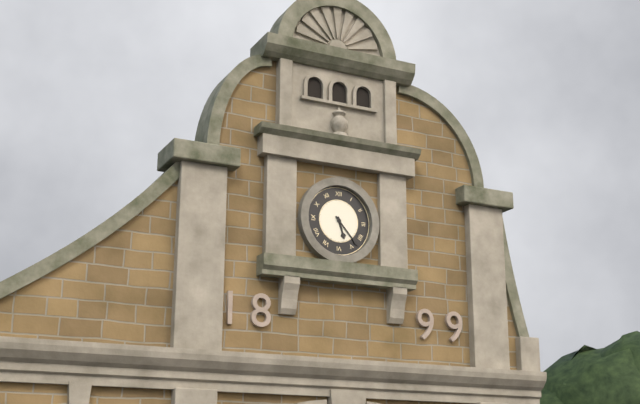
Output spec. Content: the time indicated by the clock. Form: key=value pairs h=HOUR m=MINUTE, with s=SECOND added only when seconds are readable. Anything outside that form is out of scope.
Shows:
h=5 m=23
